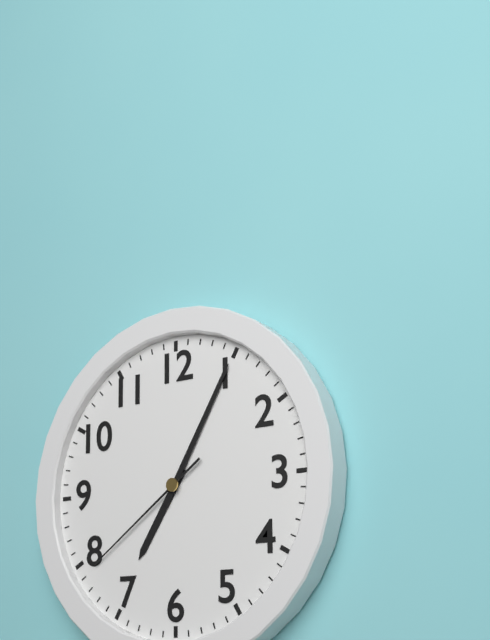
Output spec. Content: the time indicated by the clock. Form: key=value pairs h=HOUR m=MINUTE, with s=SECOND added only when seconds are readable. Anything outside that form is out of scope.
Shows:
h=7 m=5 s=39
